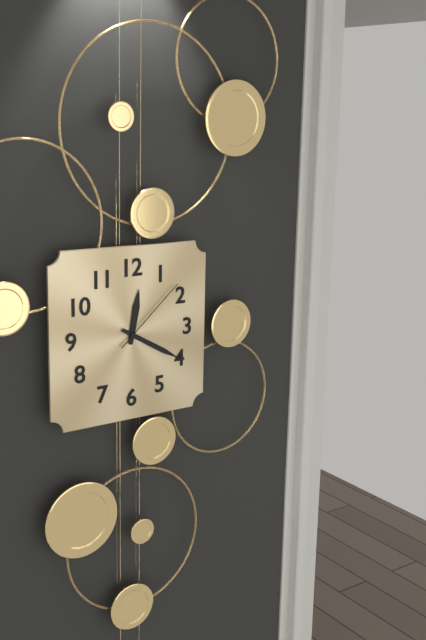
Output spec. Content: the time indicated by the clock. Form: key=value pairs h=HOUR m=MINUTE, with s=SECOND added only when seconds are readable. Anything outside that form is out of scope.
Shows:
h=12 m=20 s=8
